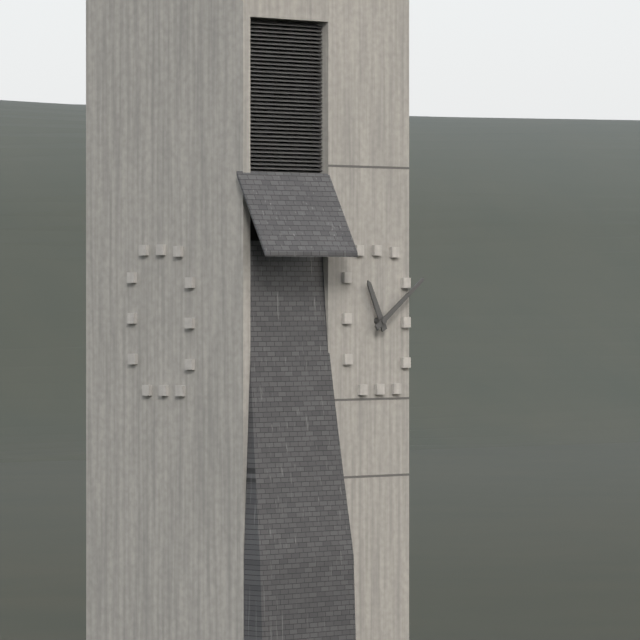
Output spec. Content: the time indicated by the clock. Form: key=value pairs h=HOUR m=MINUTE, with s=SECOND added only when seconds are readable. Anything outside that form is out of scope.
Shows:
h=11 m=9
